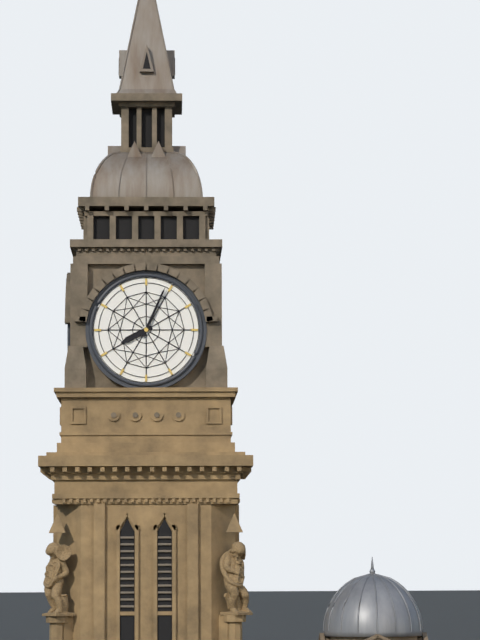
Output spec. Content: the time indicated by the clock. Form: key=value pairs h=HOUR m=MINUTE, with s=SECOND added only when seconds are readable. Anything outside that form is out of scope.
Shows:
h=8 m=4
